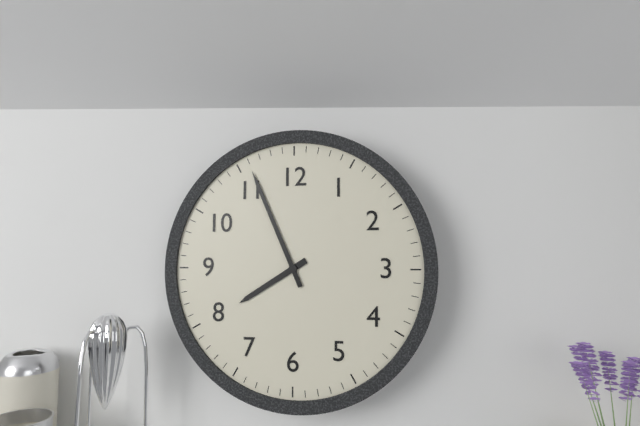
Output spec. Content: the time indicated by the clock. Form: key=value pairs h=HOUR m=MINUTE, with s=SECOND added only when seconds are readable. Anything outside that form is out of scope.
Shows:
h=7 m=56
